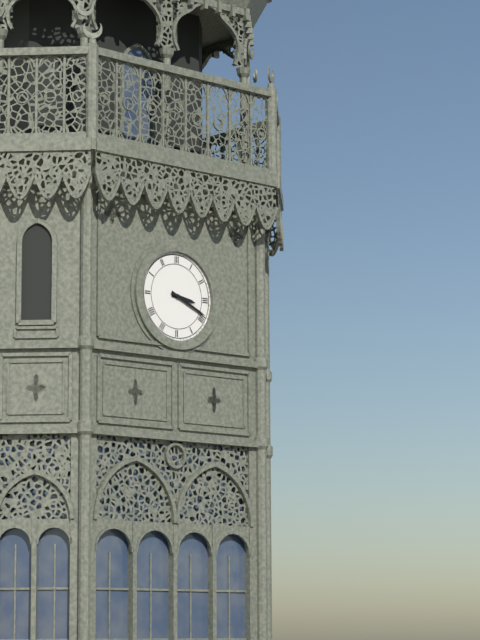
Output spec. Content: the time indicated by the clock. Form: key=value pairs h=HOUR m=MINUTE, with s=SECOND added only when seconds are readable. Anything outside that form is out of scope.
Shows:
h=3 m=19
